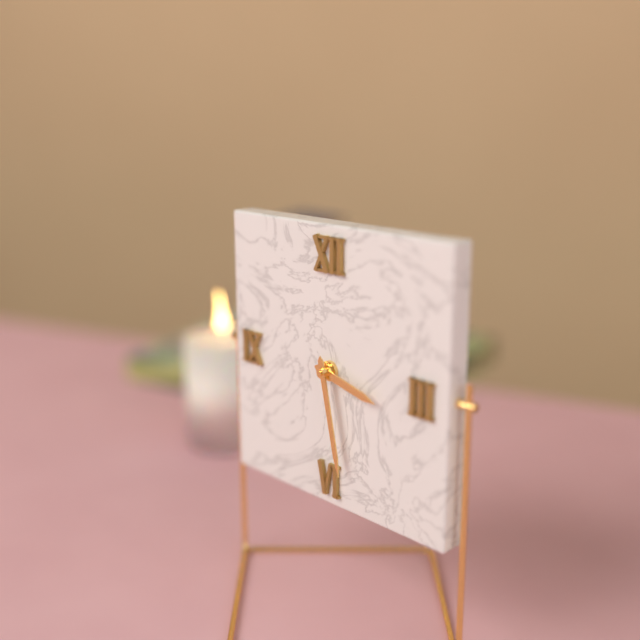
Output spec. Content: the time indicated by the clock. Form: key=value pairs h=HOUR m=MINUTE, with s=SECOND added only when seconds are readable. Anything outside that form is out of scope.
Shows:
h=3 m=28
